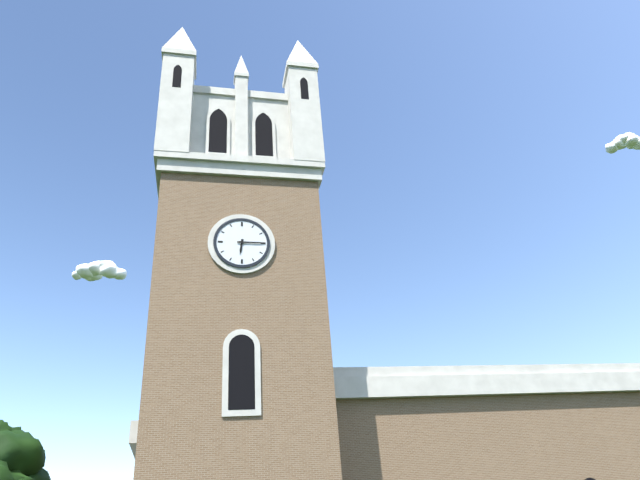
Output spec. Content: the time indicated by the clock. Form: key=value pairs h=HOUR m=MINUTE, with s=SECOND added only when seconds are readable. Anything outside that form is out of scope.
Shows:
h=6 m=15
